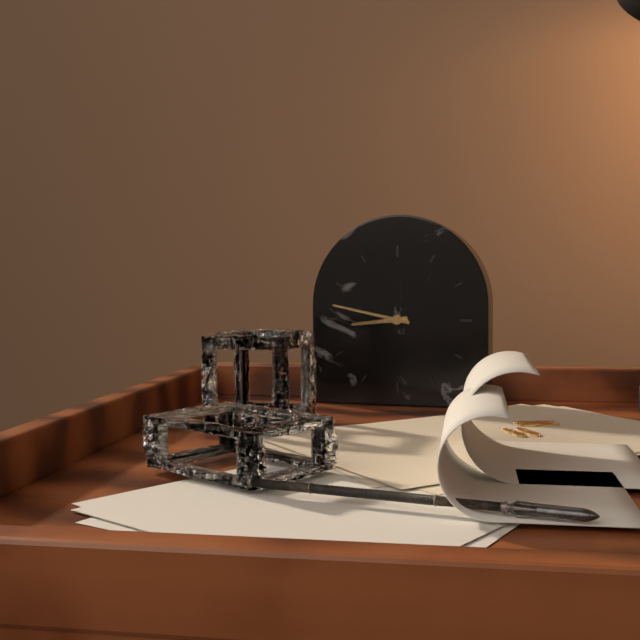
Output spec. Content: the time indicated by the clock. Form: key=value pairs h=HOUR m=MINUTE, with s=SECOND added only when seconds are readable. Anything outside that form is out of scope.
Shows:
h=8 m=47
